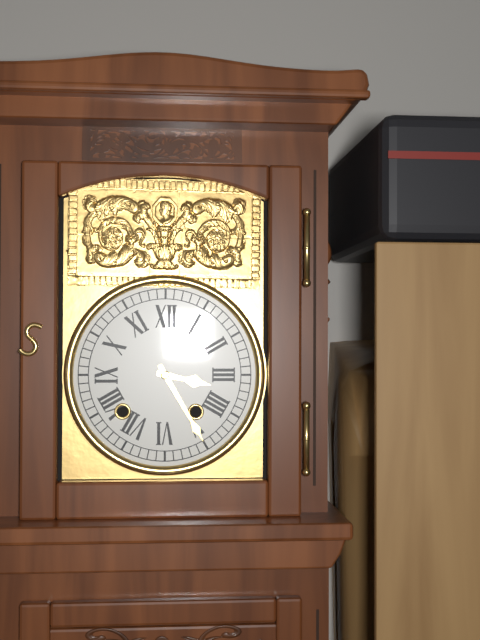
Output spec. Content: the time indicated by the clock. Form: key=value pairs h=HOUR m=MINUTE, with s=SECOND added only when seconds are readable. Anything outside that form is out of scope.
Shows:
h=3 m=25
